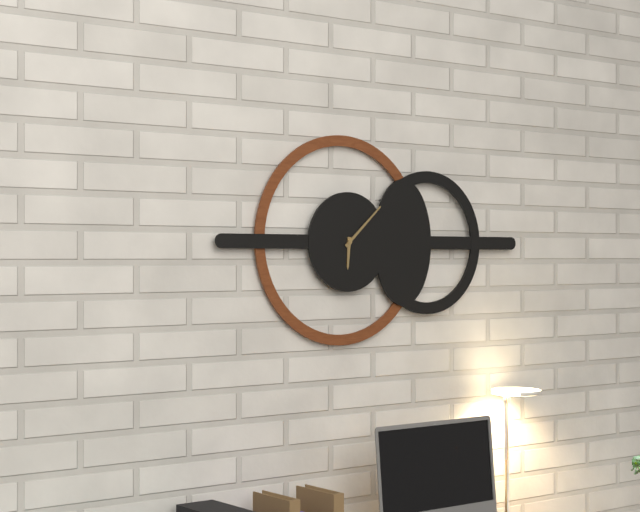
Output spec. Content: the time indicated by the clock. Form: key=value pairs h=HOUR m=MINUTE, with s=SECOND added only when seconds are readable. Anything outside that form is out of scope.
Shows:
h=6 m=8
